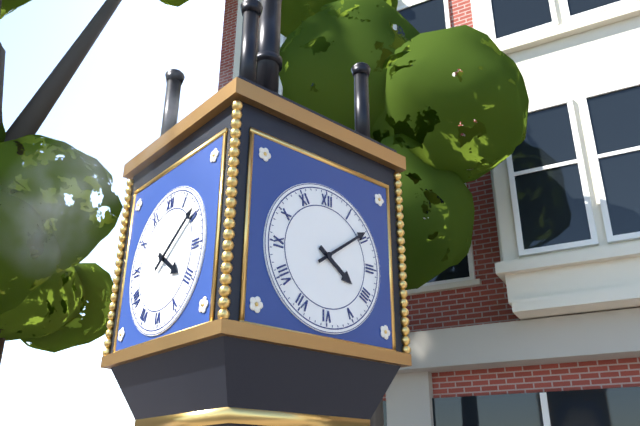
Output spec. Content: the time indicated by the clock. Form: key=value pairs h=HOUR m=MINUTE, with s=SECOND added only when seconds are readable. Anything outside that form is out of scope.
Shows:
h=4 m=9
